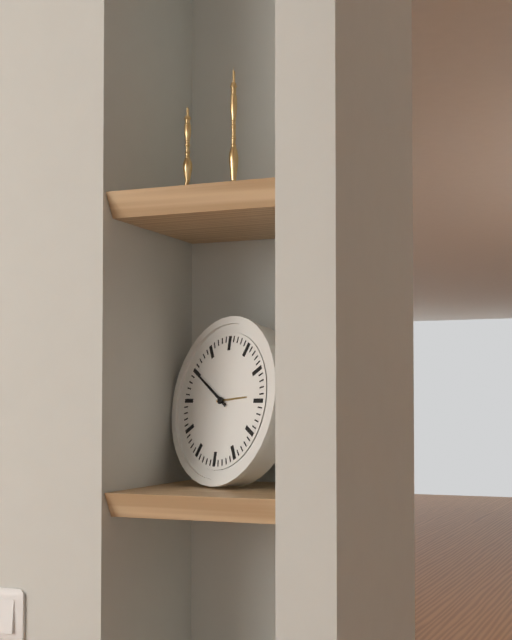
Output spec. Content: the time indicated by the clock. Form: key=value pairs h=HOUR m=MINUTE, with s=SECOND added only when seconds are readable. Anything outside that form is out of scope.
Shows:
h=2 m=50
